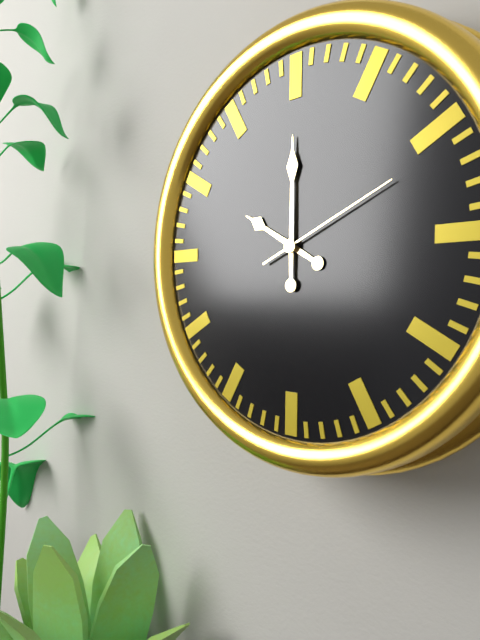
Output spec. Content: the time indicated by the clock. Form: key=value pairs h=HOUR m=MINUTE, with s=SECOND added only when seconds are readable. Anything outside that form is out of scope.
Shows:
h=10 m=0 s=11
